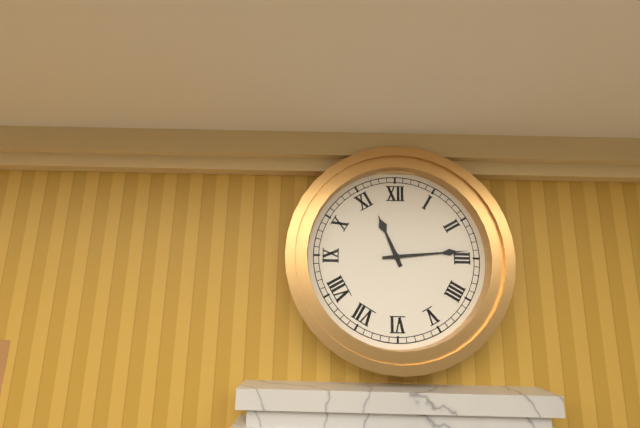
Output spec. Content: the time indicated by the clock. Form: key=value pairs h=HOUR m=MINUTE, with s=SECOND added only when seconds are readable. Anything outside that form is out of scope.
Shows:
h=11 m=14
